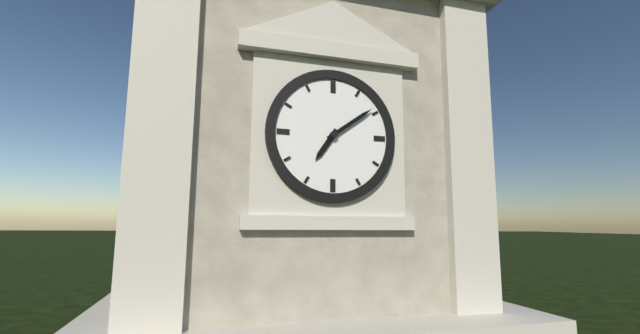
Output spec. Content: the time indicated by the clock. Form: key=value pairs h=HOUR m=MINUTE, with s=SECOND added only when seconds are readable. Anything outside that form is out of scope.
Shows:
h=7 m=9
